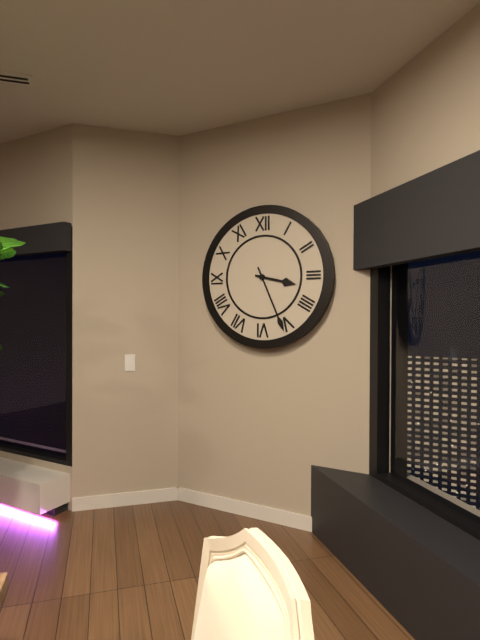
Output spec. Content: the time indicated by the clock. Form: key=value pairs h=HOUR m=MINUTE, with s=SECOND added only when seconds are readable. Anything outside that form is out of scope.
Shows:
h=3 m=26
